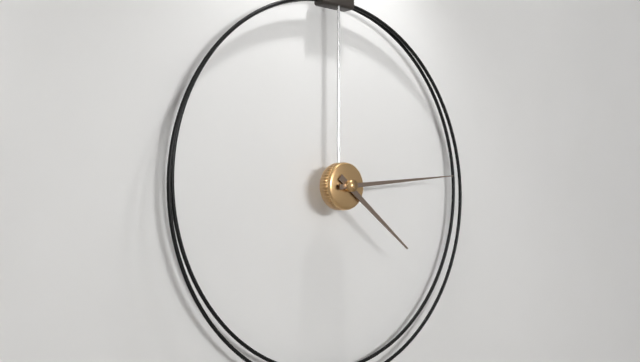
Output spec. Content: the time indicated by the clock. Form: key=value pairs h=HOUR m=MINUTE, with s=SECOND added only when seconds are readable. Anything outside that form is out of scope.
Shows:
h=4 m=14
